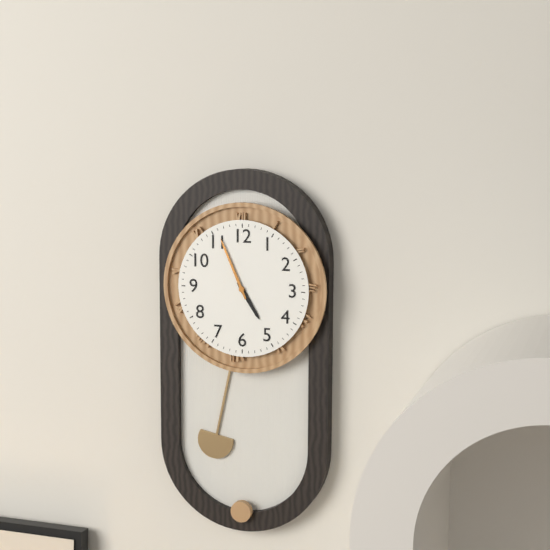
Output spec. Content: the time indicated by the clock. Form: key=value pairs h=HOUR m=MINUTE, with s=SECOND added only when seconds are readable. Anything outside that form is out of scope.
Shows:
h=4 m=56
